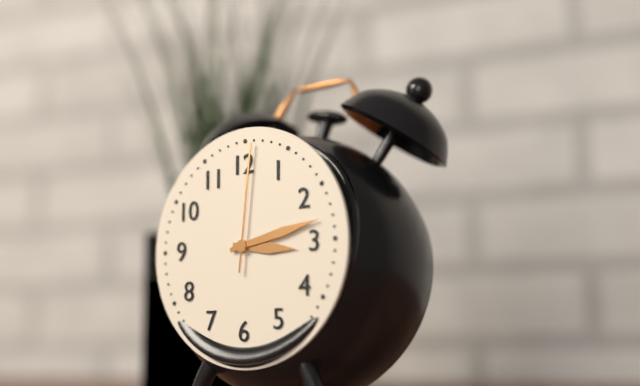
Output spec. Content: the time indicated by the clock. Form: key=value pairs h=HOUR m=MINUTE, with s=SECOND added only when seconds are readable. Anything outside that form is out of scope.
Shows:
h=3 m=13 s=1
